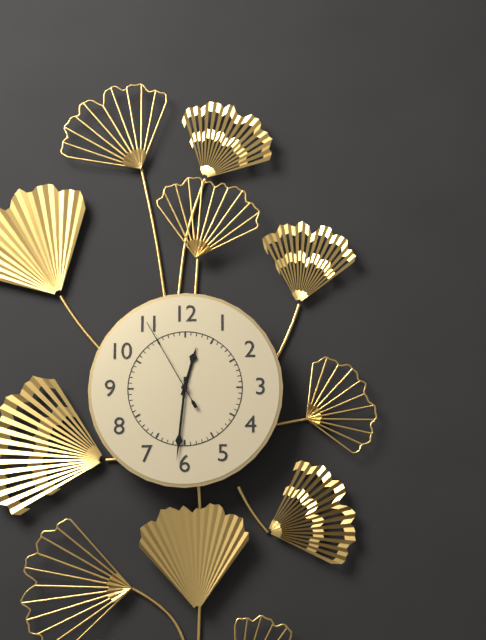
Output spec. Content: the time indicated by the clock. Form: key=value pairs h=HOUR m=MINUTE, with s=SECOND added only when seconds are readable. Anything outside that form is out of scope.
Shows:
h=12 m=31 s=55
